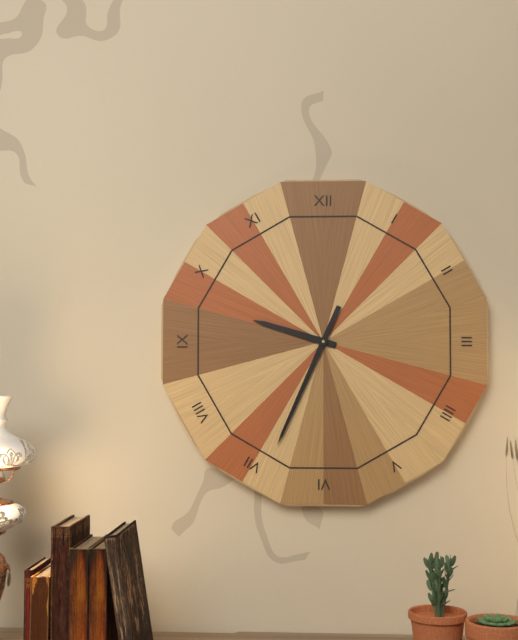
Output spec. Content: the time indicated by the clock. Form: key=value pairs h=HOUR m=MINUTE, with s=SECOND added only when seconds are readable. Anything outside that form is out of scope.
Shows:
h=9 m=34
